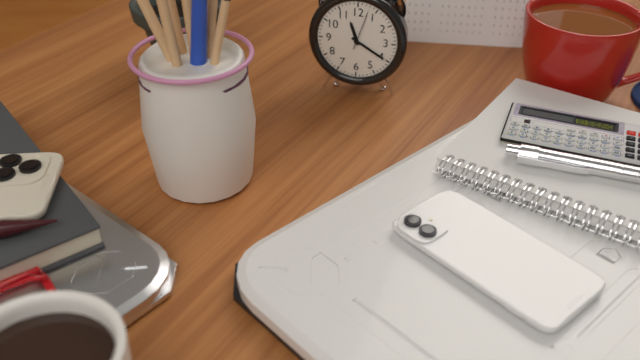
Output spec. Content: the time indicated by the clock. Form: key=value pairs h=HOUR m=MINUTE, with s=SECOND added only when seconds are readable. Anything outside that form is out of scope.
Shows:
h=11 m=20
